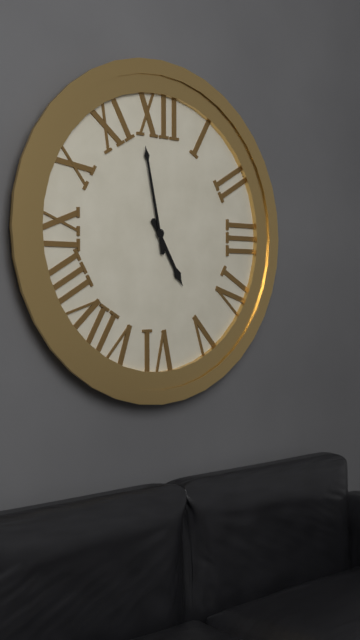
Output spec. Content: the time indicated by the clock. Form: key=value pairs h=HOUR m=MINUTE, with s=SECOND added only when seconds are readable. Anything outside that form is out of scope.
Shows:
h=4 m=58
